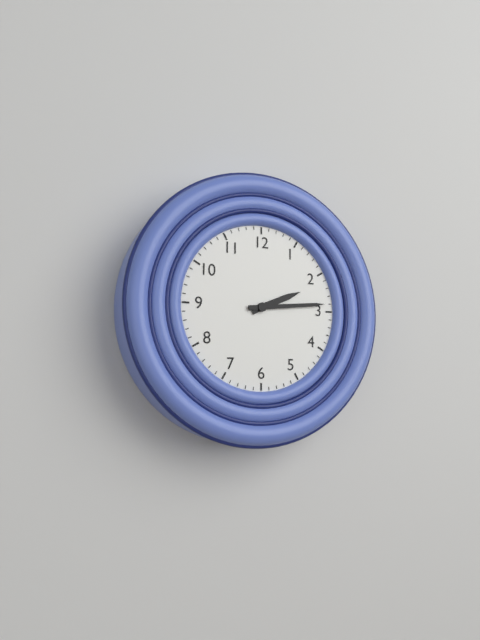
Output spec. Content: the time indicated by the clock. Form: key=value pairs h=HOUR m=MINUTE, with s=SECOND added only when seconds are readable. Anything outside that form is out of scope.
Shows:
h=2 m=14
